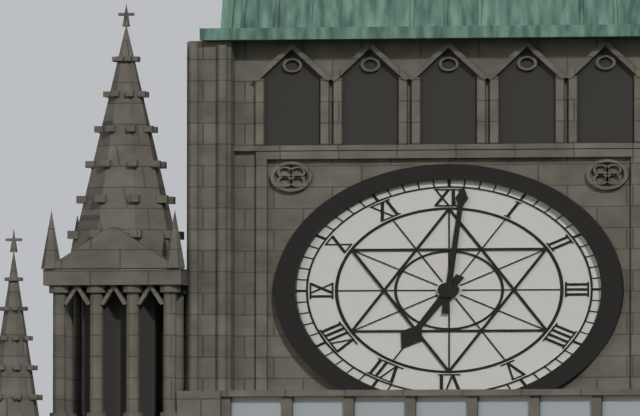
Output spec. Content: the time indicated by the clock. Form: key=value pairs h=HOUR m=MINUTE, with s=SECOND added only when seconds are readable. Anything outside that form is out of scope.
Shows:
h=7 m=1
